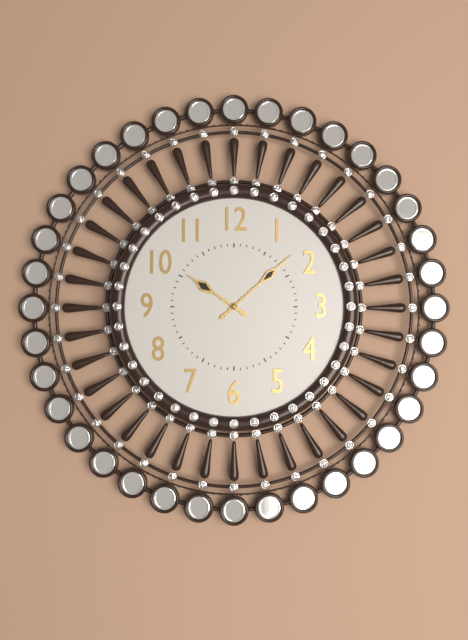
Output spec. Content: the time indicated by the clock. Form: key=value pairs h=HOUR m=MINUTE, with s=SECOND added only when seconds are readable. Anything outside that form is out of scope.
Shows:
h=10 m=8
